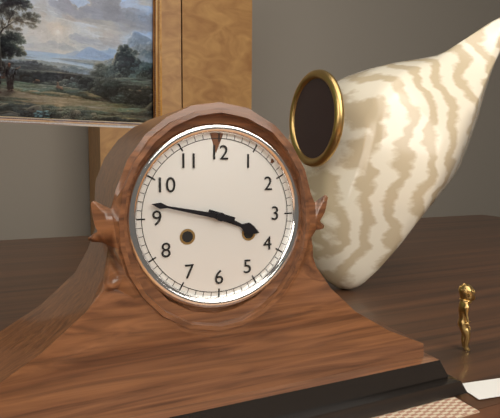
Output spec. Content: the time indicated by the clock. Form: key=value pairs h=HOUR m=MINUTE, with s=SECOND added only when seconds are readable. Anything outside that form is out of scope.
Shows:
h=3 m=47
